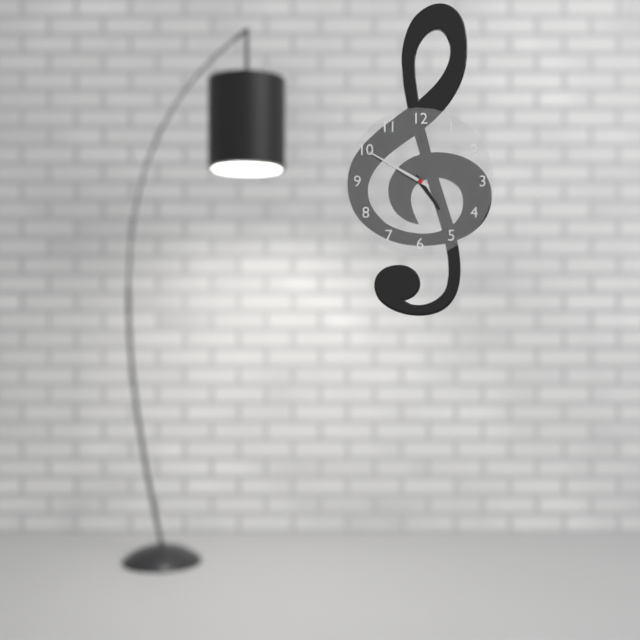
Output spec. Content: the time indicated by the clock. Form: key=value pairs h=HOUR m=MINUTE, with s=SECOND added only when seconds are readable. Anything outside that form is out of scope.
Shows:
h=4 m=50
